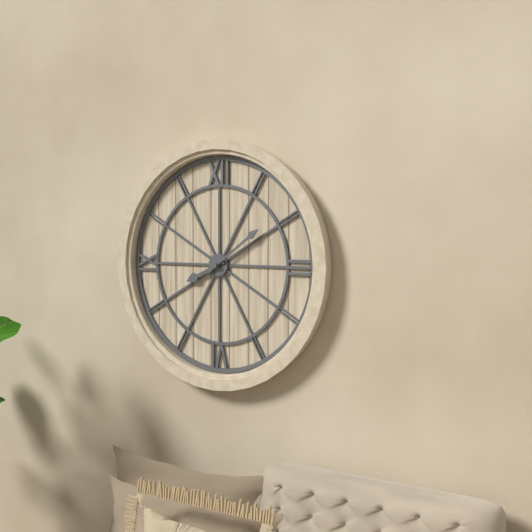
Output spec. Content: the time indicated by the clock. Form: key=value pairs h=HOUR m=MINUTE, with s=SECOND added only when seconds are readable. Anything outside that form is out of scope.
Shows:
h=8 m=9
